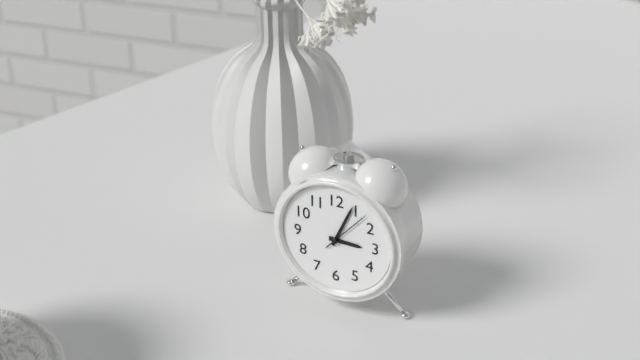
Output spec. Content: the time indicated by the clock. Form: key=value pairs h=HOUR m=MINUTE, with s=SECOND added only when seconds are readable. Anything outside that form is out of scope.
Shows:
h=3 m=4 s=7
